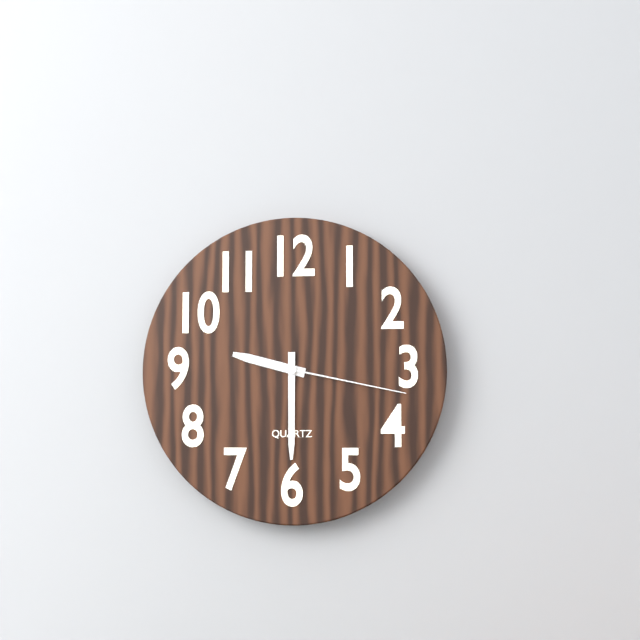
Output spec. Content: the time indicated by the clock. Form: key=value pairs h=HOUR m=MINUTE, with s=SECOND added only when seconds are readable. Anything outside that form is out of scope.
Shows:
h=9 m=30 s=17
